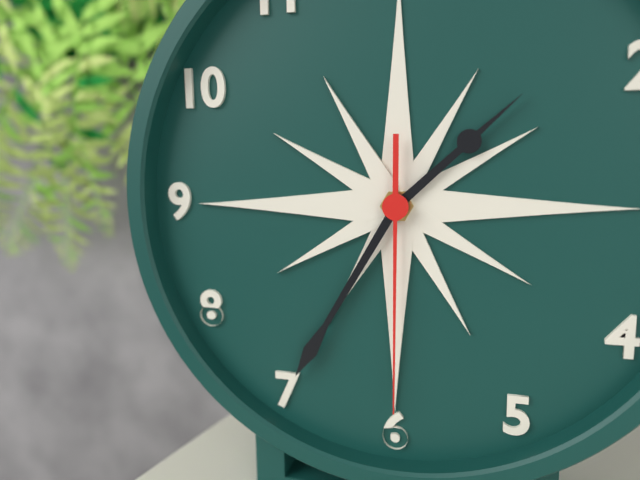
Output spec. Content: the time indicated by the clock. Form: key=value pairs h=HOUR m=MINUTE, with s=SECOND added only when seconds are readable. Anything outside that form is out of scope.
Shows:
h=1 m=35 s=30
